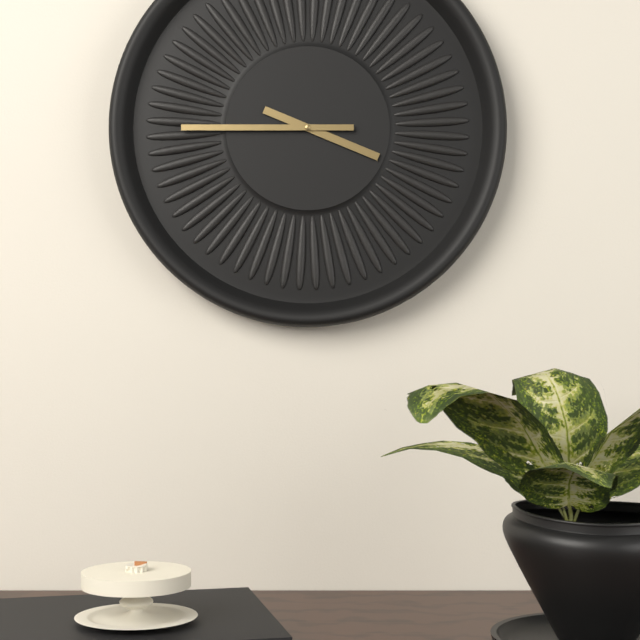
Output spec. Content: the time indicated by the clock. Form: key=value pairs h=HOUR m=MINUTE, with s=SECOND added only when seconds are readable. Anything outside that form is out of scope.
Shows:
h=3 m=45
